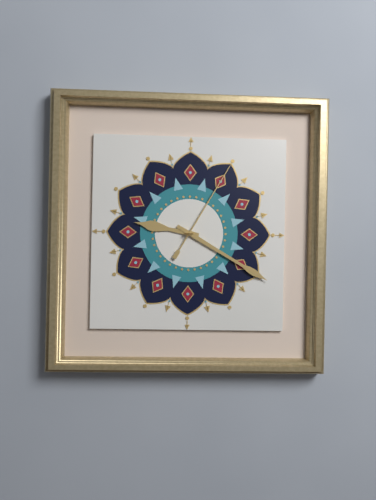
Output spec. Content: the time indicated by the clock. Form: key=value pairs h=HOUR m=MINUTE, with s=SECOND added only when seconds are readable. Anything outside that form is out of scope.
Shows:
h=9 m=20 s=5
